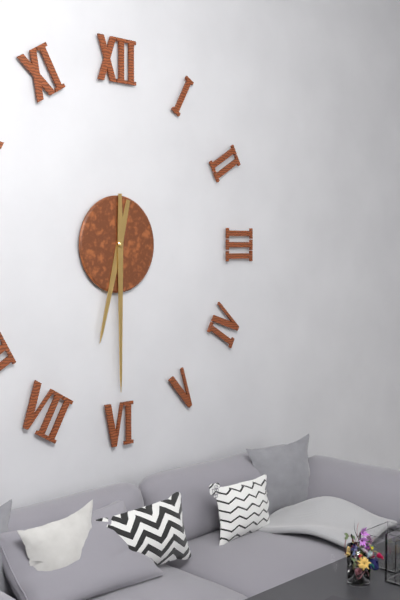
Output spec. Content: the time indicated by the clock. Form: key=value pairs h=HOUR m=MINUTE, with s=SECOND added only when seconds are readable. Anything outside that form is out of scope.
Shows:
h=6 m=30
